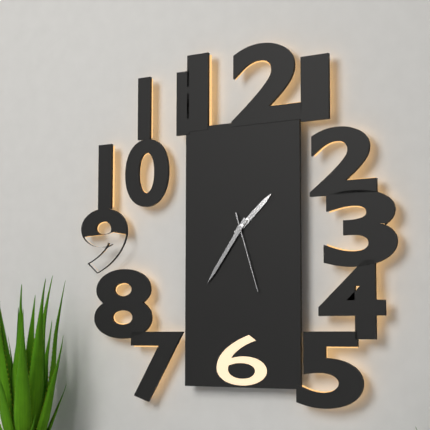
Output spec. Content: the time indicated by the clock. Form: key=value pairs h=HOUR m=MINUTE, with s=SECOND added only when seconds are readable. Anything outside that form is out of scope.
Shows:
h=1 m=36 s=27
